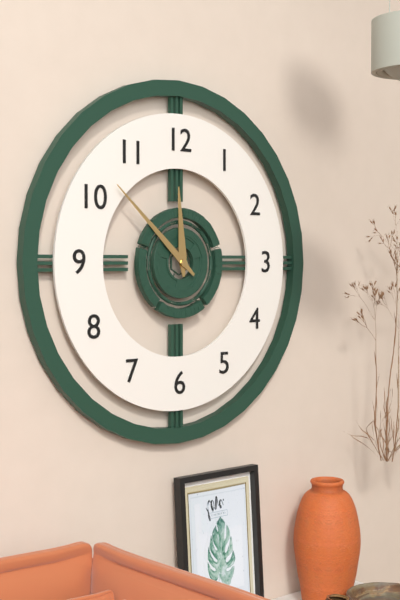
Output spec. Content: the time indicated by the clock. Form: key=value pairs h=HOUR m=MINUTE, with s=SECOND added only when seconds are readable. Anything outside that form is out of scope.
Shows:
h=11 m=52
